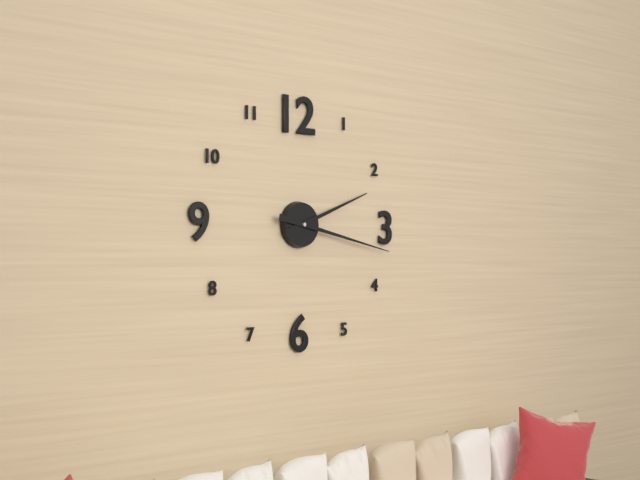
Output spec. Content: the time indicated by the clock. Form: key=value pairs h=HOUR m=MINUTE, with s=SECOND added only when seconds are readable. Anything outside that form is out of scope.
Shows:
h=2 m=17
